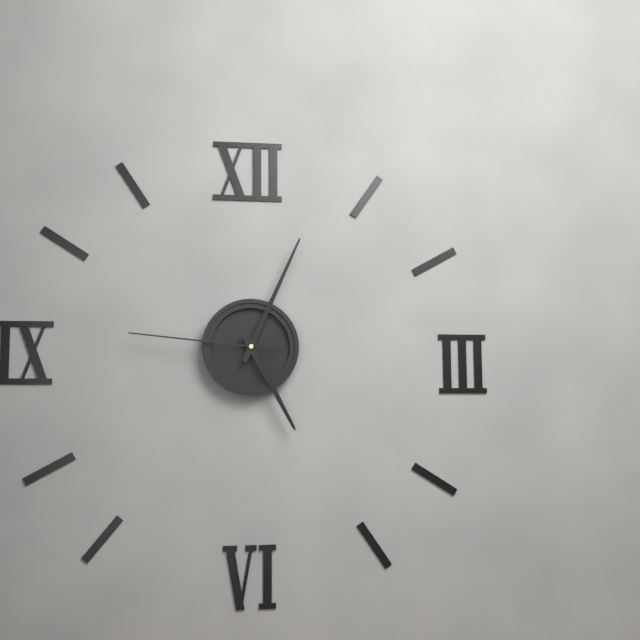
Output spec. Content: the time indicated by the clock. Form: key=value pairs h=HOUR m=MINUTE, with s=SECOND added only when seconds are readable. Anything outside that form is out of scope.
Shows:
h=5 m=4 s=46
